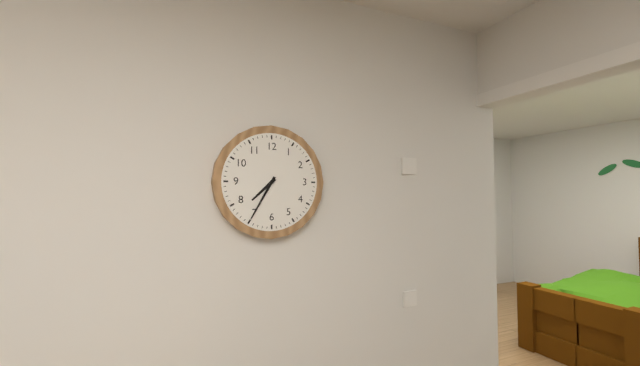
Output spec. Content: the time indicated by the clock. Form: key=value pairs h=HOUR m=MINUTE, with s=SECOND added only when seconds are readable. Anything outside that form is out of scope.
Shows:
h=7 m=35
